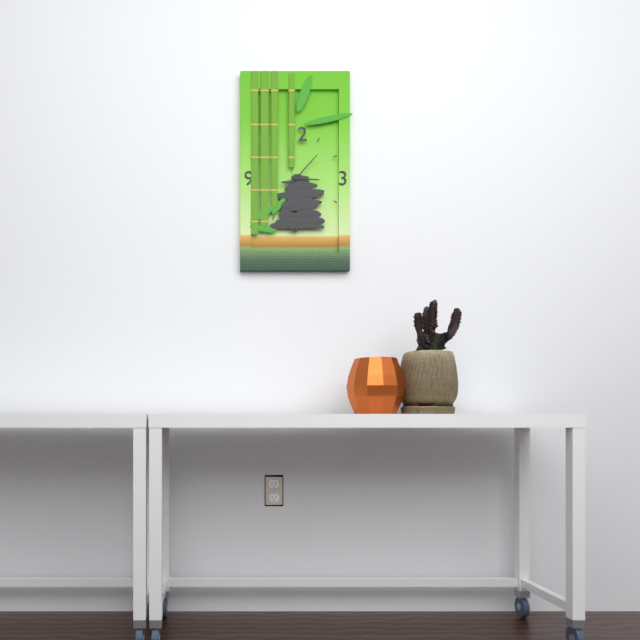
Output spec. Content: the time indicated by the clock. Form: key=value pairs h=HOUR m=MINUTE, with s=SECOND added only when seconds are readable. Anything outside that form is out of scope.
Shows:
h=3 m=7
